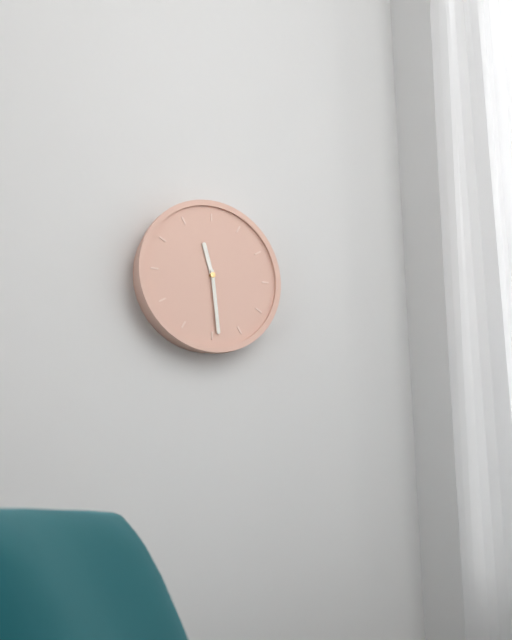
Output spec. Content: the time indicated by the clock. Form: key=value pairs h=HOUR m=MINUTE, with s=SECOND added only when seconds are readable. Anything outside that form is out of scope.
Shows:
h=11 m=29
